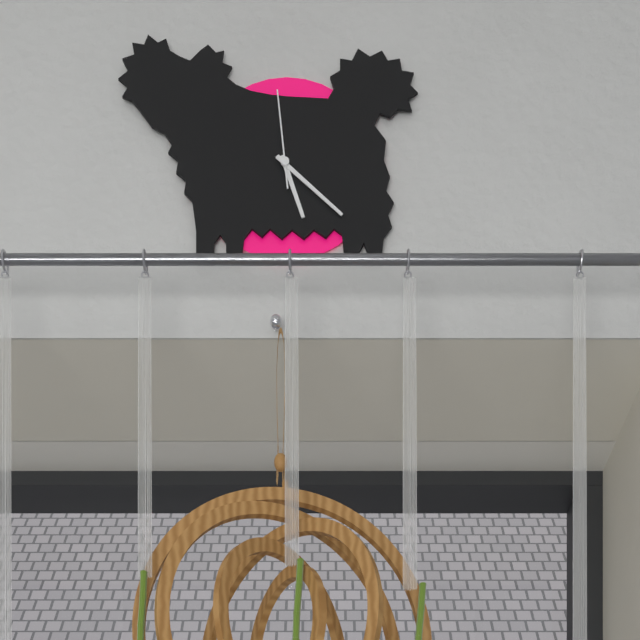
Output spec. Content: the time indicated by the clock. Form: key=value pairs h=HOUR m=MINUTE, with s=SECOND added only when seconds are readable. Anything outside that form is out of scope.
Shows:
h=5 m=22 s=59
